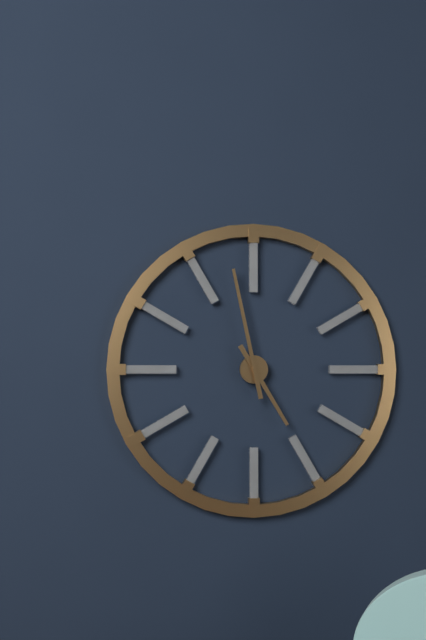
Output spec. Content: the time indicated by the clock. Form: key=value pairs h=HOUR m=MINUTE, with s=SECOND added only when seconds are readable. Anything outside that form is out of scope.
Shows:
h=4 m=58
